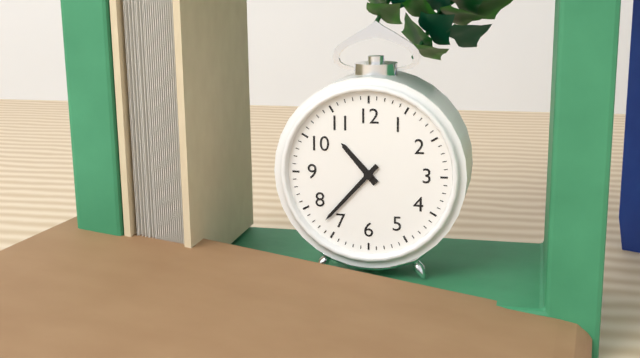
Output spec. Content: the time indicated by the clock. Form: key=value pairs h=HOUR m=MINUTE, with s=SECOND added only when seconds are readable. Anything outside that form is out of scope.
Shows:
h=10 m=37
